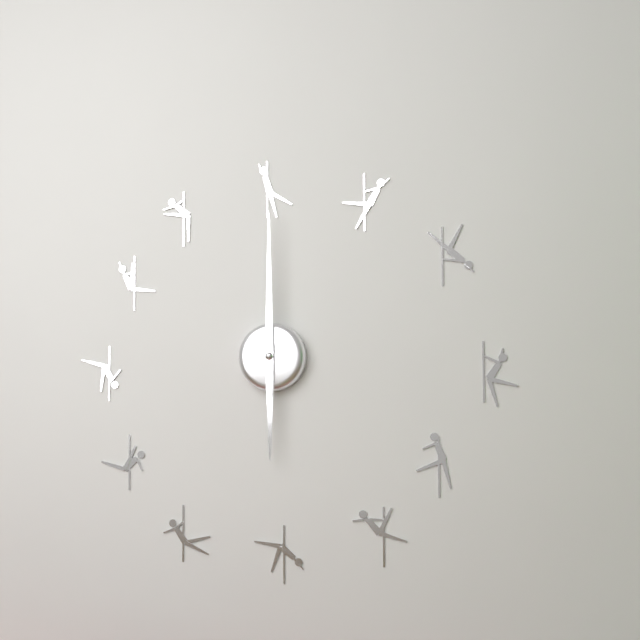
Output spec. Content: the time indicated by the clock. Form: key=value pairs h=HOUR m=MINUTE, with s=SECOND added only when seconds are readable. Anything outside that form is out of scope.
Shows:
h=6 m=0
